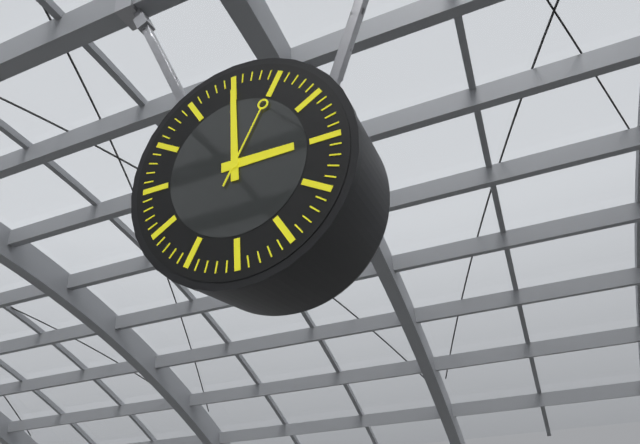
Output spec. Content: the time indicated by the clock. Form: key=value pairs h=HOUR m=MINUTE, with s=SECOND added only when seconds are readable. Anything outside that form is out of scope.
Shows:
h=3 m=0 s=5
